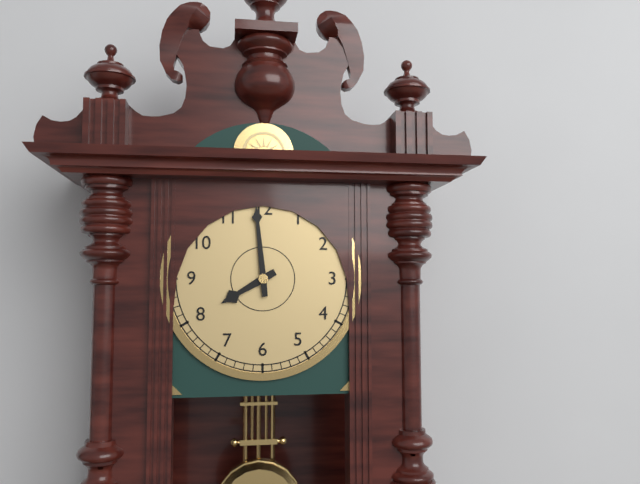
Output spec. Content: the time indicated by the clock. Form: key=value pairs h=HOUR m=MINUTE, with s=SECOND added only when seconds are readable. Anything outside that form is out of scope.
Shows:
h=7 m=59
